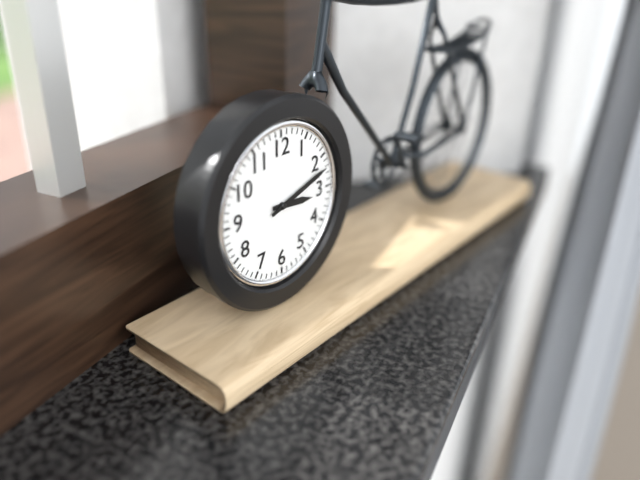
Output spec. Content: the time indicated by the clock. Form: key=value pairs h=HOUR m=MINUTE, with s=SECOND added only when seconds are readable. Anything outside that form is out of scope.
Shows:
h=3 m=12
